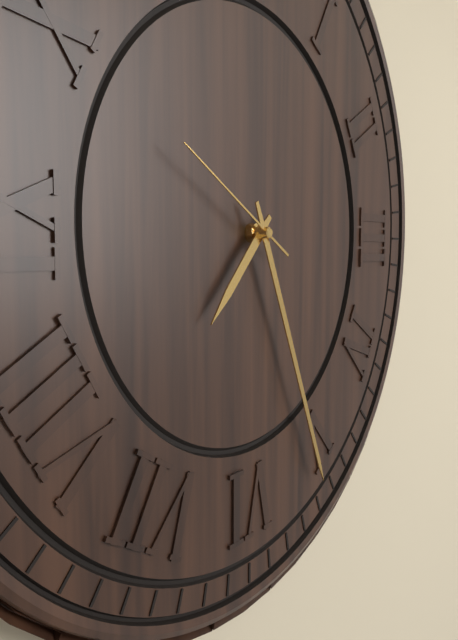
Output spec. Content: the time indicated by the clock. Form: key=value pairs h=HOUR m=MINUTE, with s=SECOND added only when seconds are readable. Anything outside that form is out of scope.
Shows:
h=7 m=26 s=50
